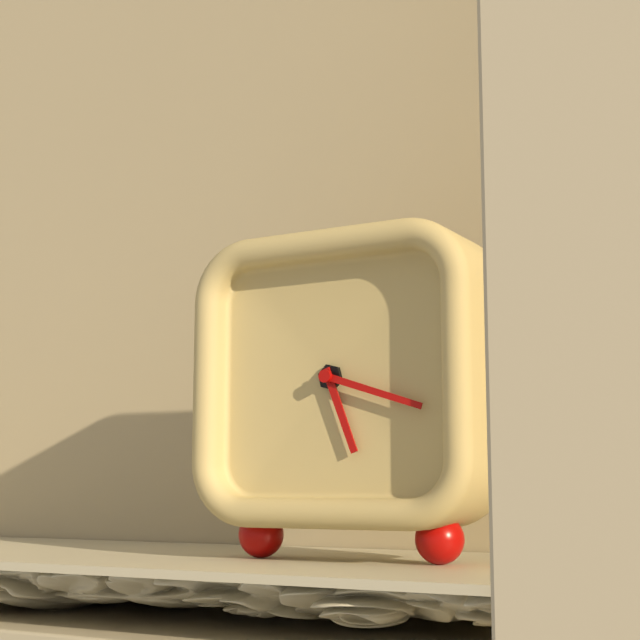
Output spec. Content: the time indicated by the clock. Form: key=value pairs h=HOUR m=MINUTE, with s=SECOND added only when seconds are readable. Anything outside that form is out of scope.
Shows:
h=5 m=18
